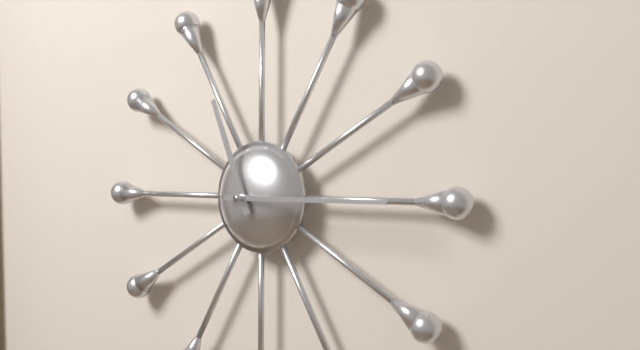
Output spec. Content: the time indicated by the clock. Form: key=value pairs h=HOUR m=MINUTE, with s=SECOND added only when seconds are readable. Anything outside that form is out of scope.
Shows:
h=11 m=15
